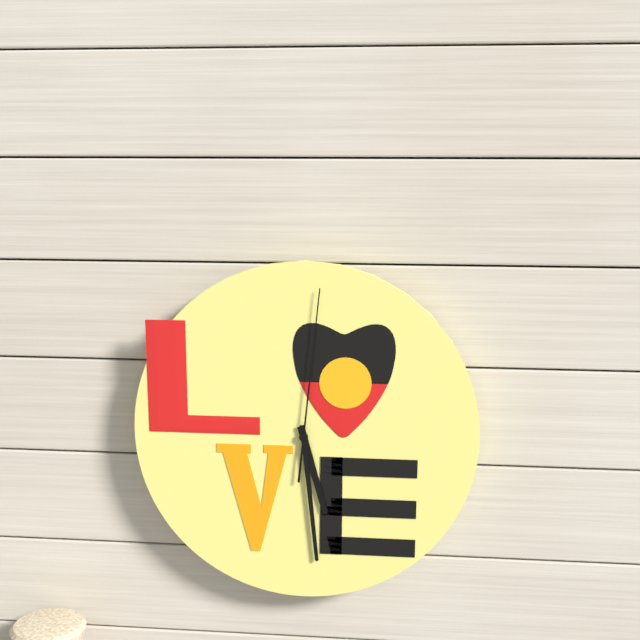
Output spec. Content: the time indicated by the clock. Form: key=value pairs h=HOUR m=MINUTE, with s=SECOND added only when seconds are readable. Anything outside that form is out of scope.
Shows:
h=5 m=29 s=1
